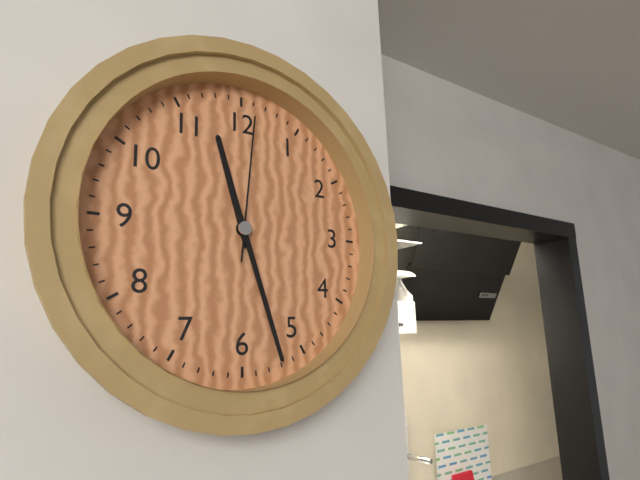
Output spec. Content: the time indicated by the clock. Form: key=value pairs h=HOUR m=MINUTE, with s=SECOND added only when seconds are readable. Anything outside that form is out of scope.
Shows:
h=11 m=27 s=1
